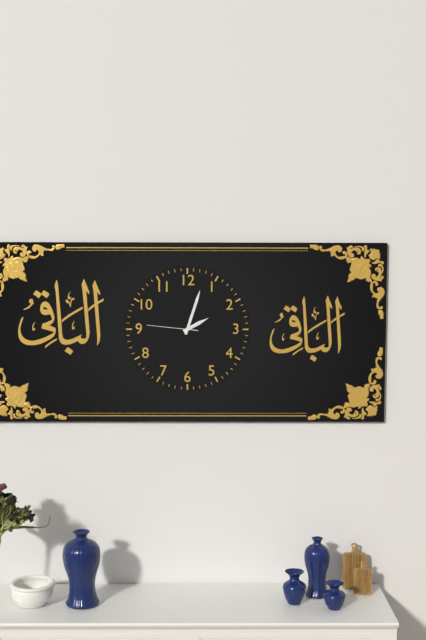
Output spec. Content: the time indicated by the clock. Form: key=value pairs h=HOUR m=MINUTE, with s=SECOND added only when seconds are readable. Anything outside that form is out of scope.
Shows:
h=2 m=3 s=46
